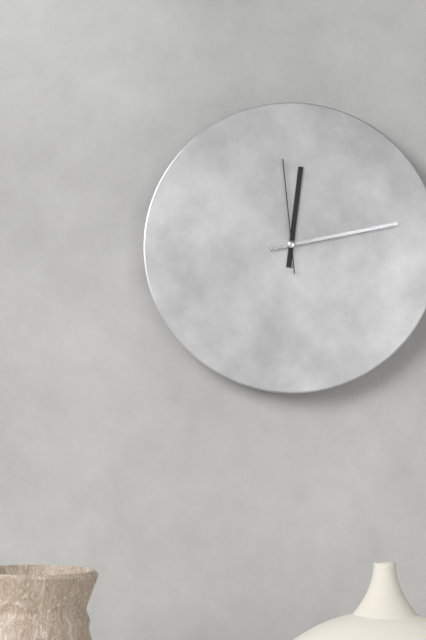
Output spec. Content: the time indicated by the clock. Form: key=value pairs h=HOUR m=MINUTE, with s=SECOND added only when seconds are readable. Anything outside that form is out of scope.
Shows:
h=12 m=13 s=59
